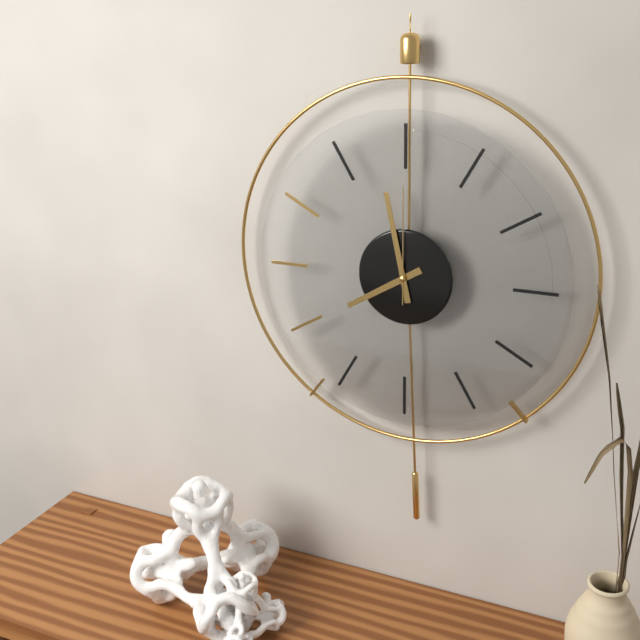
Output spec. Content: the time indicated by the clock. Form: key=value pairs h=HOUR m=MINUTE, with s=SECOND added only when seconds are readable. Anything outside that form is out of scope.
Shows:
h=7 m=58 s=0
